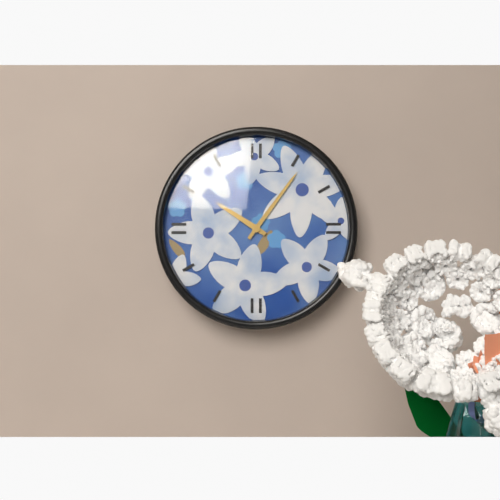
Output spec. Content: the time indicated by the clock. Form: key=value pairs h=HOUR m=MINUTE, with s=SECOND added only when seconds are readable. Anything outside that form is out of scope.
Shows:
h=10 m=6
